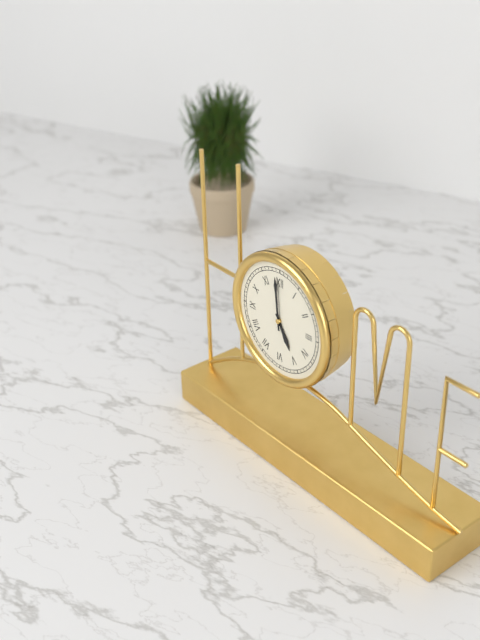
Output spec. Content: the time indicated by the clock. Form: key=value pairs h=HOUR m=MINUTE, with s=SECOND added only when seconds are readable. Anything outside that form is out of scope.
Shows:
h=4 m=59
